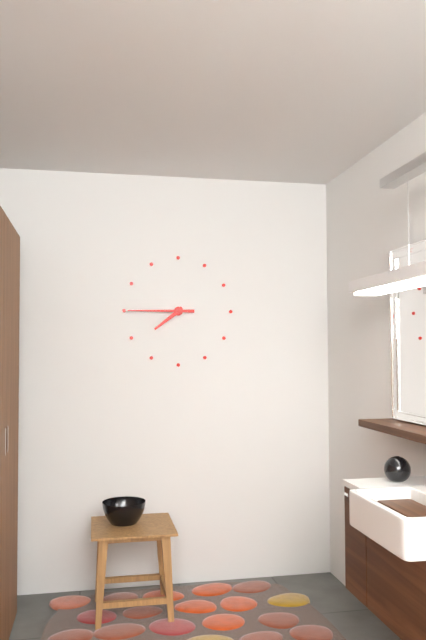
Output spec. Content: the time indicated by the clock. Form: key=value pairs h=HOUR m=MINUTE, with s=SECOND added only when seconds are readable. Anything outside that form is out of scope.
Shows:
h=7 m=45
